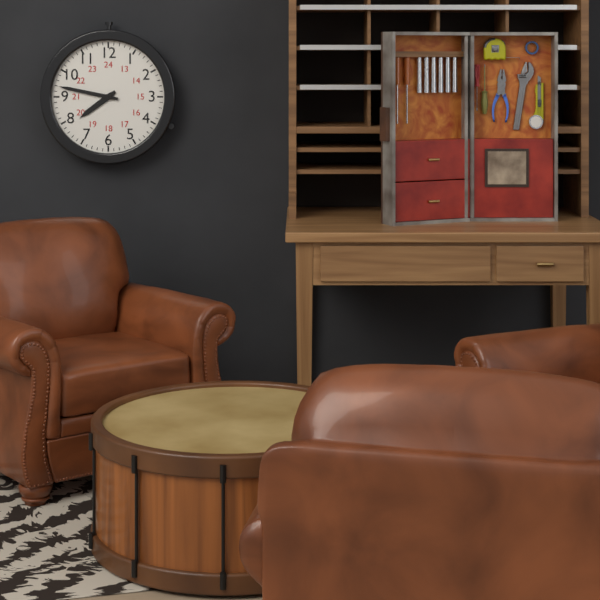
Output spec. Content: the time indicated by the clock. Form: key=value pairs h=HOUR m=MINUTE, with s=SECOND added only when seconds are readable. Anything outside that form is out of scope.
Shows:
h=7 m=47
